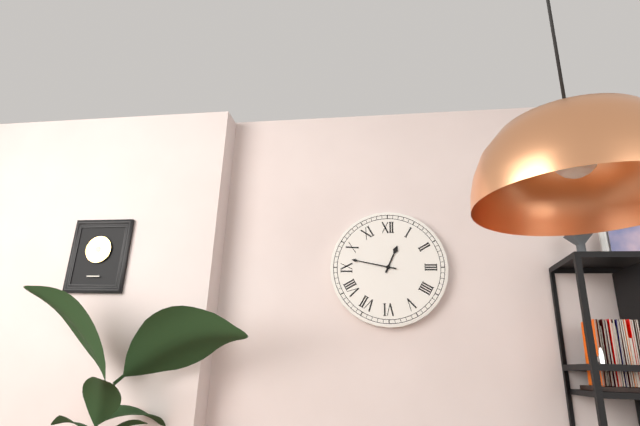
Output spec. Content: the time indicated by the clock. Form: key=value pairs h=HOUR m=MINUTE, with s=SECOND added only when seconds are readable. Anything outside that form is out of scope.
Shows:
h=12 m=47
